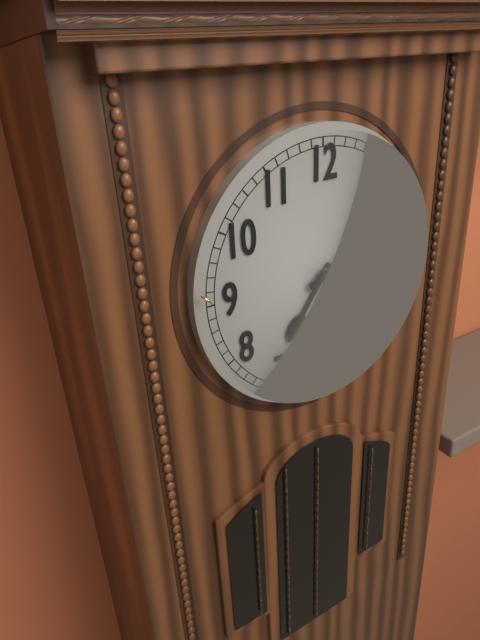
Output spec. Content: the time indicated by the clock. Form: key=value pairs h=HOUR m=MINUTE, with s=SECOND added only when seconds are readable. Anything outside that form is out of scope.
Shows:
h=7 m=11
